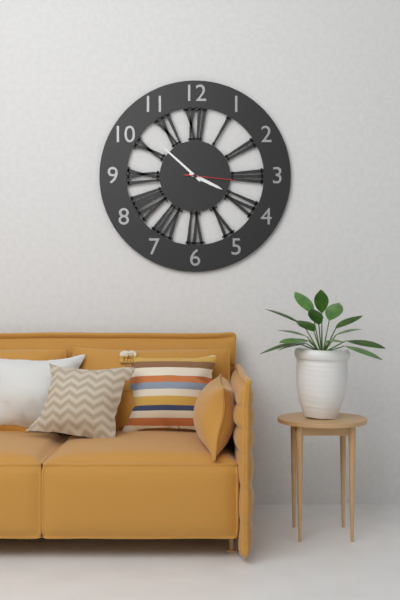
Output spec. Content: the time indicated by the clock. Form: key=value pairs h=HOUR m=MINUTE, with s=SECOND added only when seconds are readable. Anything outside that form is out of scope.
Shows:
h=3 m=52 s=16
